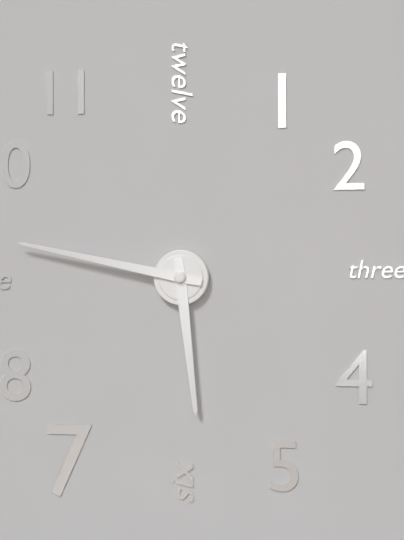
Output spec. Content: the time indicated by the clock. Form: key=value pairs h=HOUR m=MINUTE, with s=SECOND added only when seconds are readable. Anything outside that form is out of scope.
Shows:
h=5 m=47
